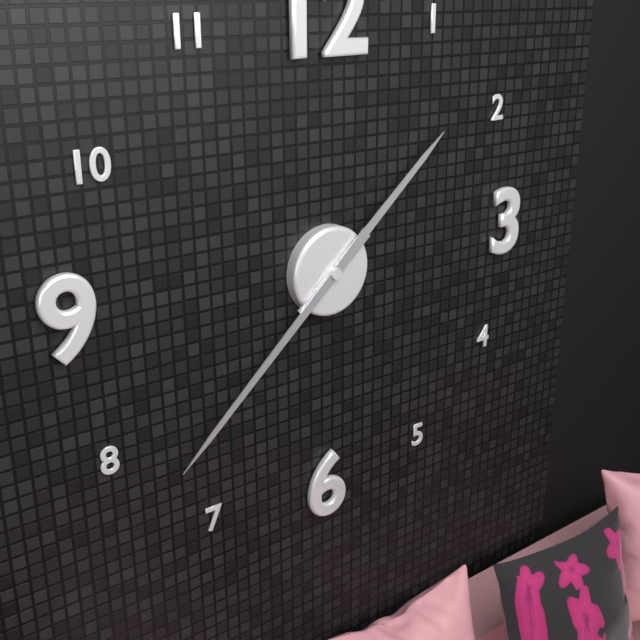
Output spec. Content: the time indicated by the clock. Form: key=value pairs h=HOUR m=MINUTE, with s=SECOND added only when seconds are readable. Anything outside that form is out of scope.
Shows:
h=1 m=38
